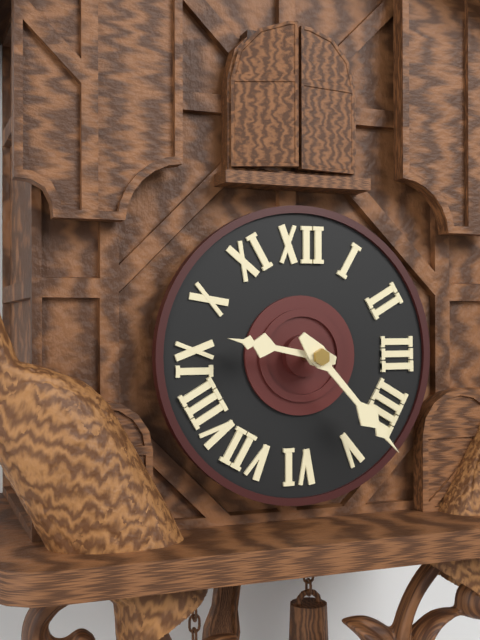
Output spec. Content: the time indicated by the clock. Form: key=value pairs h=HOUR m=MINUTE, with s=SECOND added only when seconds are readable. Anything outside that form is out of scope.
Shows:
h=9 m=23
